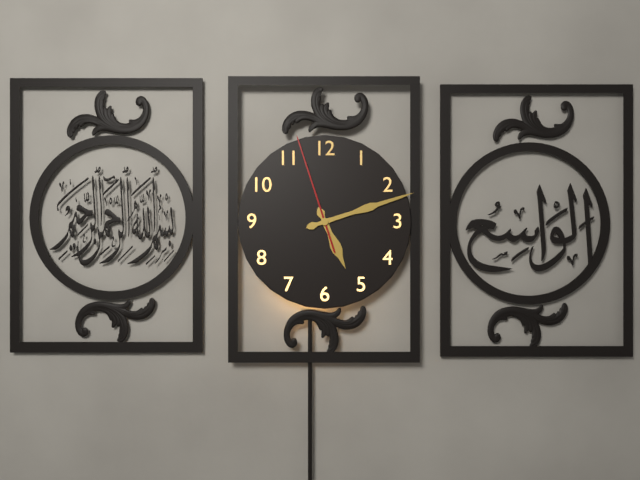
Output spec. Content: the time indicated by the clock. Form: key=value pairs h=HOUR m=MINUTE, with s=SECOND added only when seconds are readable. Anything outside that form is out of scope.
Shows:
h=5 m=12 s=57
